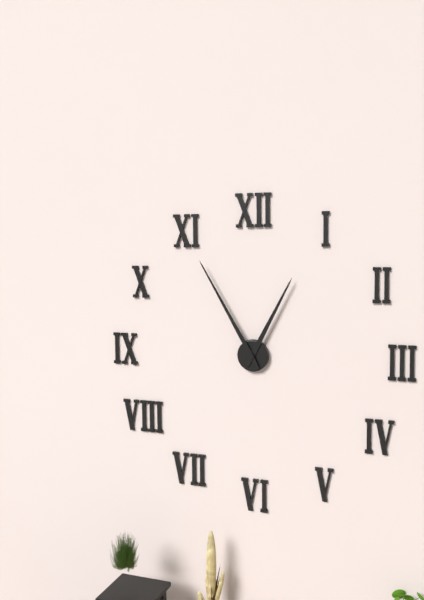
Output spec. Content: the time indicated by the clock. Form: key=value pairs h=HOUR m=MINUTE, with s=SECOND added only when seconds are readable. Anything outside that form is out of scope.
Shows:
h=12 m=55
